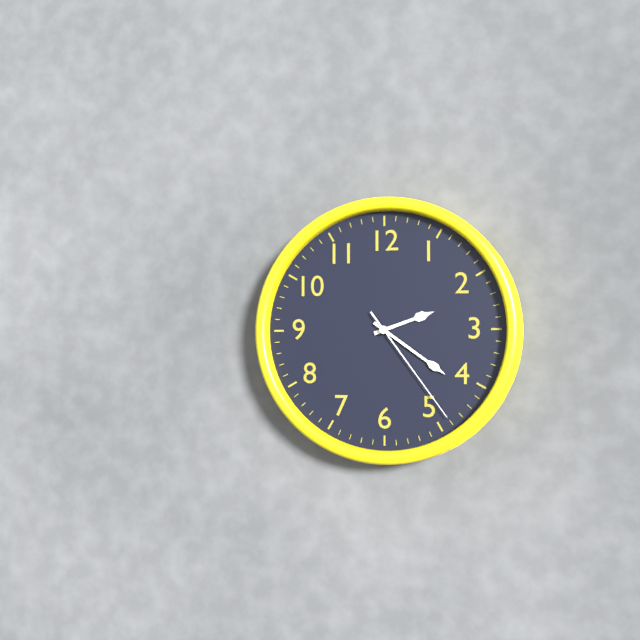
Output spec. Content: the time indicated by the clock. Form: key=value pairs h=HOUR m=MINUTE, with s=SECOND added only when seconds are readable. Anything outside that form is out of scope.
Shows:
h=2 m=21 s=24
